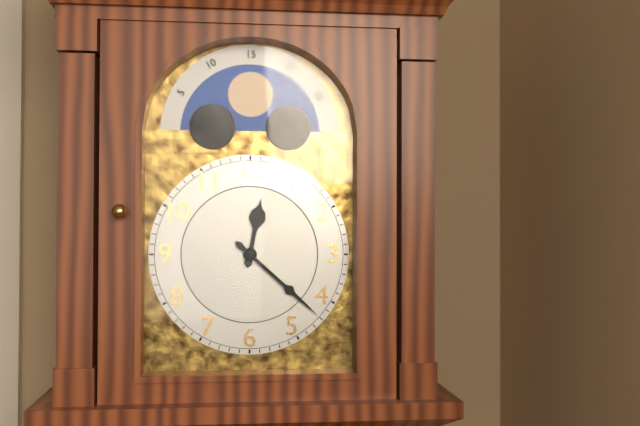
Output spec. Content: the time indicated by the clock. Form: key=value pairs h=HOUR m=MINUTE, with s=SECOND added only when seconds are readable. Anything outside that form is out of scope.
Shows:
h=12 m=22
